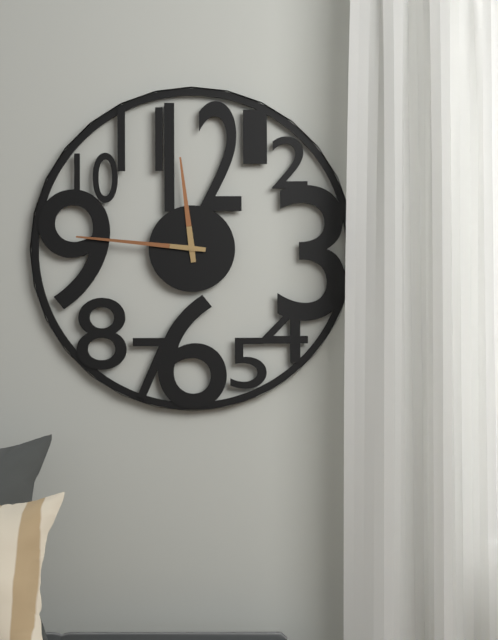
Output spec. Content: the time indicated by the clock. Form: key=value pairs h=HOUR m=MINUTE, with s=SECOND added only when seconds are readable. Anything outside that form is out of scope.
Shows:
h=11 m=46
